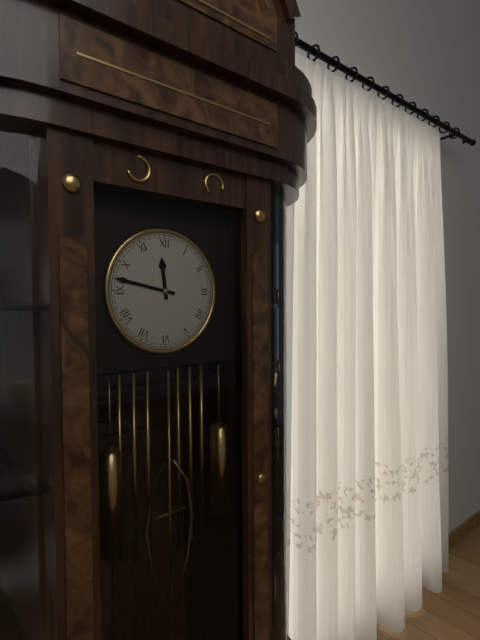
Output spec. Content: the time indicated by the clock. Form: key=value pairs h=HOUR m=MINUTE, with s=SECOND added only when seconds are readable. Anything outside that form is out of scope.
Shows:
h=11 m=47
